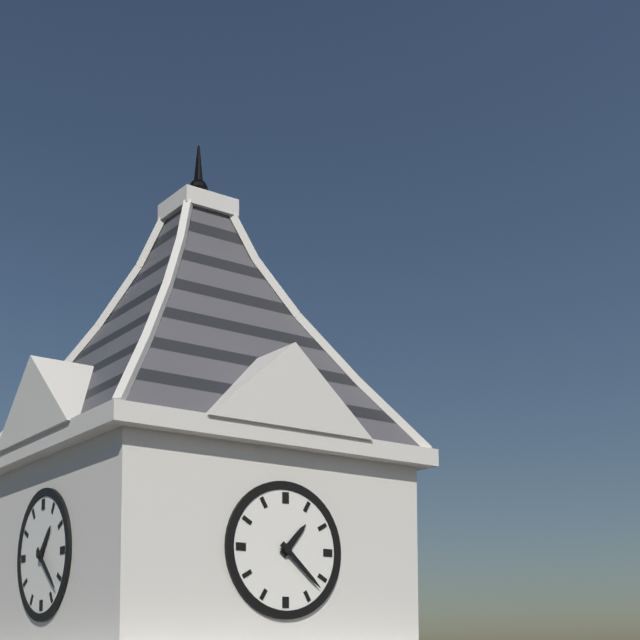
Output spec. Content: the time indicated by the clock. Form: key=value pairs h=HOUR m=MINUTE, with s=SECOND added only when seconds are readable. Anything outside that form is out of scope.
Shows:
h=1 m=22
